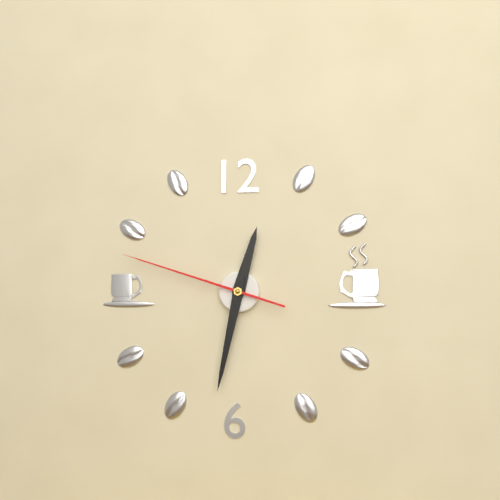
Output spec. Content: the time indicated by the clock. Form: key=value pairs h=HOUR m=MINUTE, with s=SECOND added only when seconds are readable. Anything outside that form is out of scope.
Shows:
h=12 m=32 s=48
